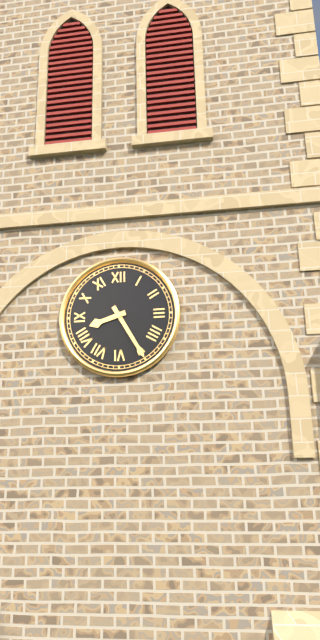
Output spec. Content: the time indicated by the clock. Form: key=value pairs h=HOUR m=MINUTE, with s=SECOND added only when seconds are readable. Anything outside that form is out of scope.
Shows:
h=8 m=25
